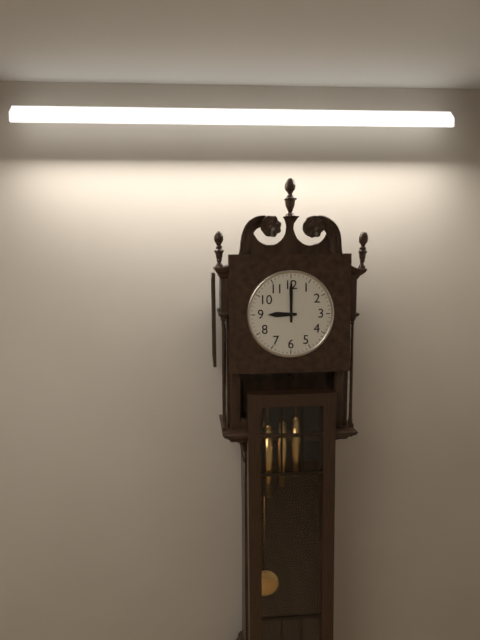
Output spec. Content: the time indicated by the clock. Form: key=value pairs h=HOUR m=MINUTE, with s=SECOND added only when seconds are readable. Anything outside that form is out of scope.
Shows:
h=9 m=0
